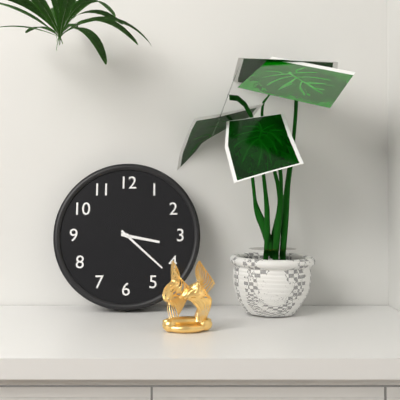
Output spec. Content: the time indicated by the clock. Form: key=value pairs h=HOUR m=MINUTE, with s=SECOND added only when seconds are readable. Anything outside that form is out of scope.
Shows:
h=3 m=22
